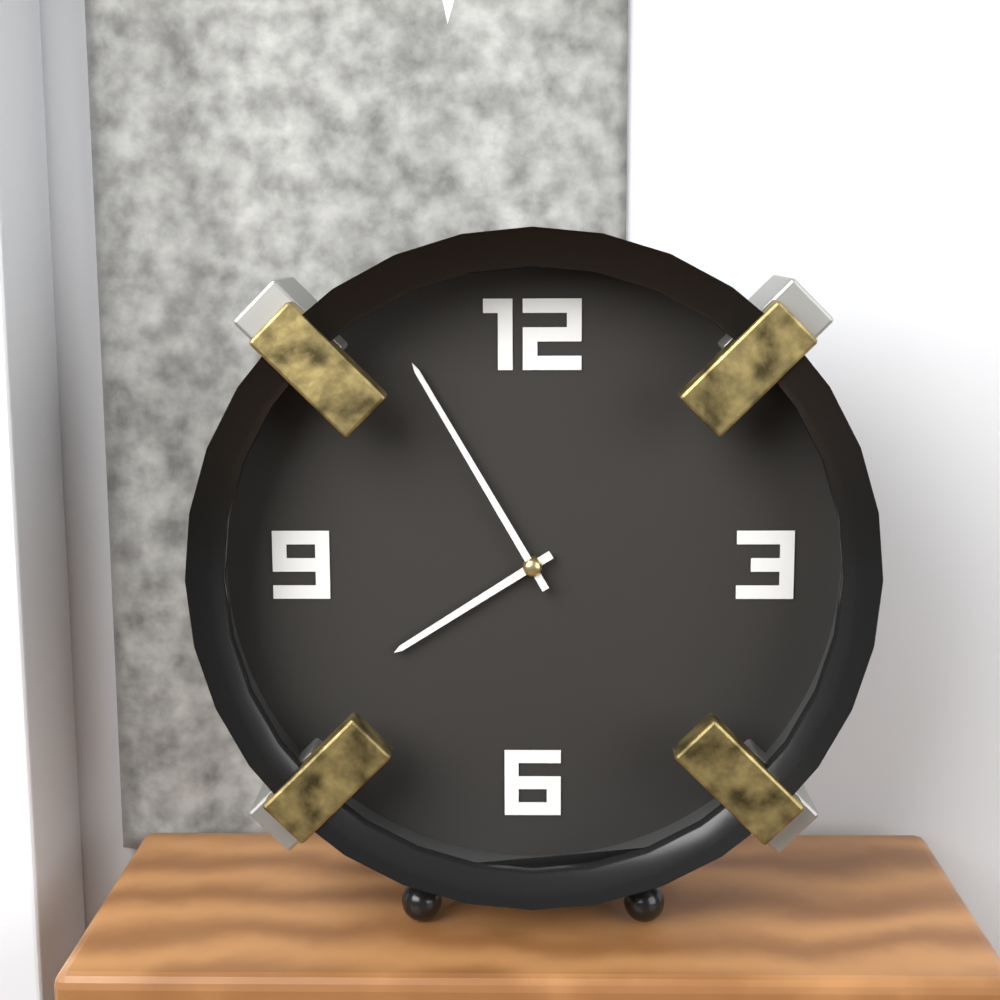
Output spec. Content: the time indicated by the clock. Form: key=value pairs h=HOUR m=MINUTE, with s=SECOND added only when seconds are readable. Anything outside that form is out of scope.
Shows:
h=7 m=55
